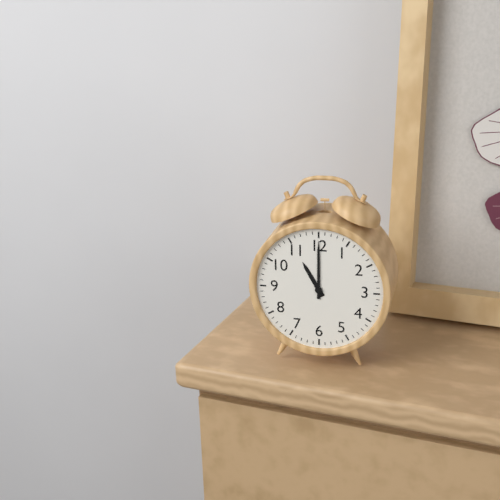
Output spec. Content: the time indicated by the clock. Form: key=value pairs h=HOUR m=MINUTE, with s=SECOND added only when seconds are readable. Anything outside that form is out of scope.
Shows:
h=11 m=0
